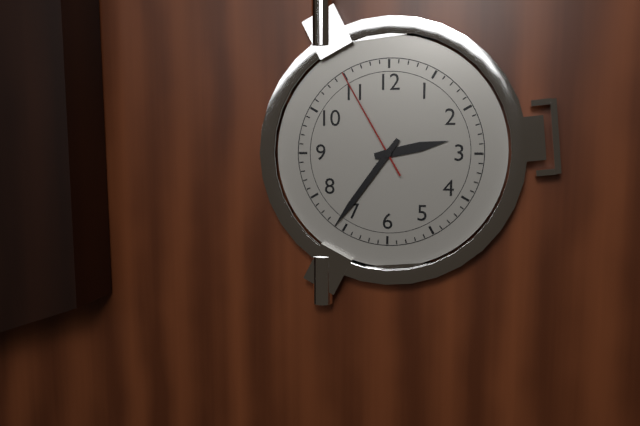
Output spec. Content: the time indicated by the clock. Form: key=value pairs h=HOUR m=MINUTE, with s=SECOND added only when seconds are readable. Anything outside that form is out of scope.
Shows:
h=2 m=36 s=55
